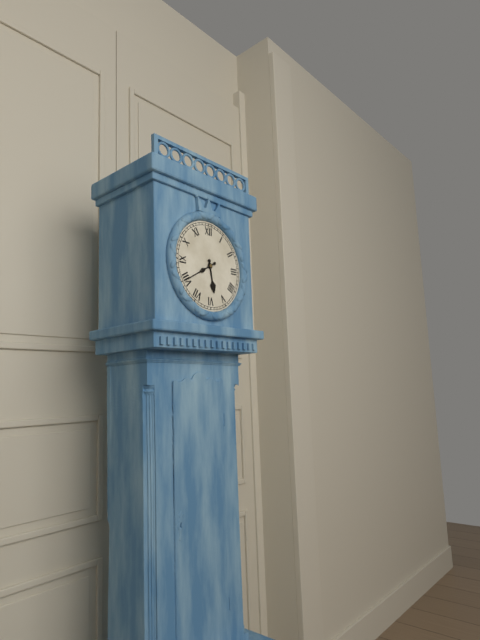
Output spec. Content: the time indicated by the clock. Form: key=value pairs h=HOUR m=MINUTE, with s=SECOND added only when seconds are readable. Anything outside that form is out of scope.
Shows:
h=5 m=40
